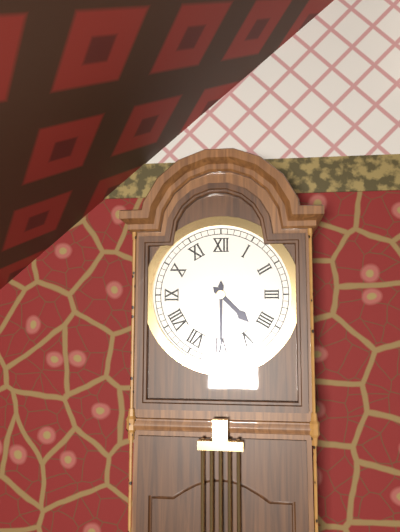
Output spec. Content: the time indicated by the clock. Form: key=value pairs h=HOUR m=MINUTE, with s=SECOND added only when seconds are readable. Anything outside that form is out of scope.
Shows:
h=4 m=30
